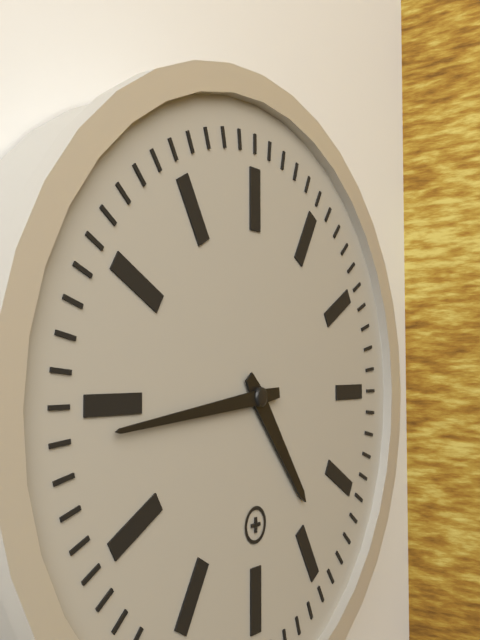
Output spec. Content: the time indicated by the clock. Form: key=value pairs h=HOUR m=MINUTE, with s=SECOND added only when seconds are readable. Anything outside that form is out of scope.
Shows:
h=4 m=44
